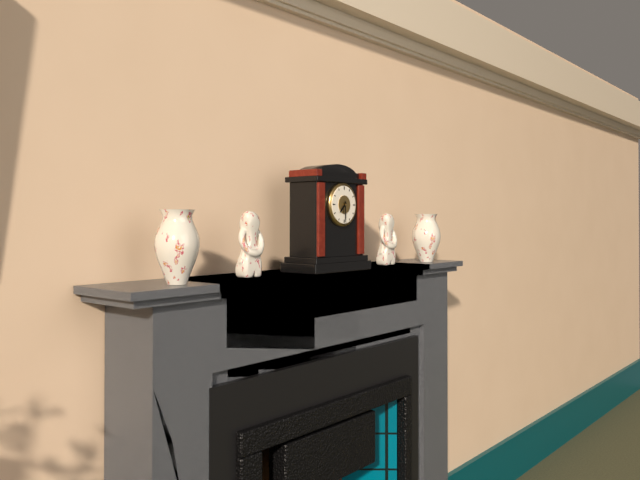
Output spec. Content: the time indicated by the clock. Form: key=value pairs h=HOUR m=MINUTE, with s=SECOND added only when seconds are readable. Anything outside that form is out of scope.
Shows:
h=7 m=30
